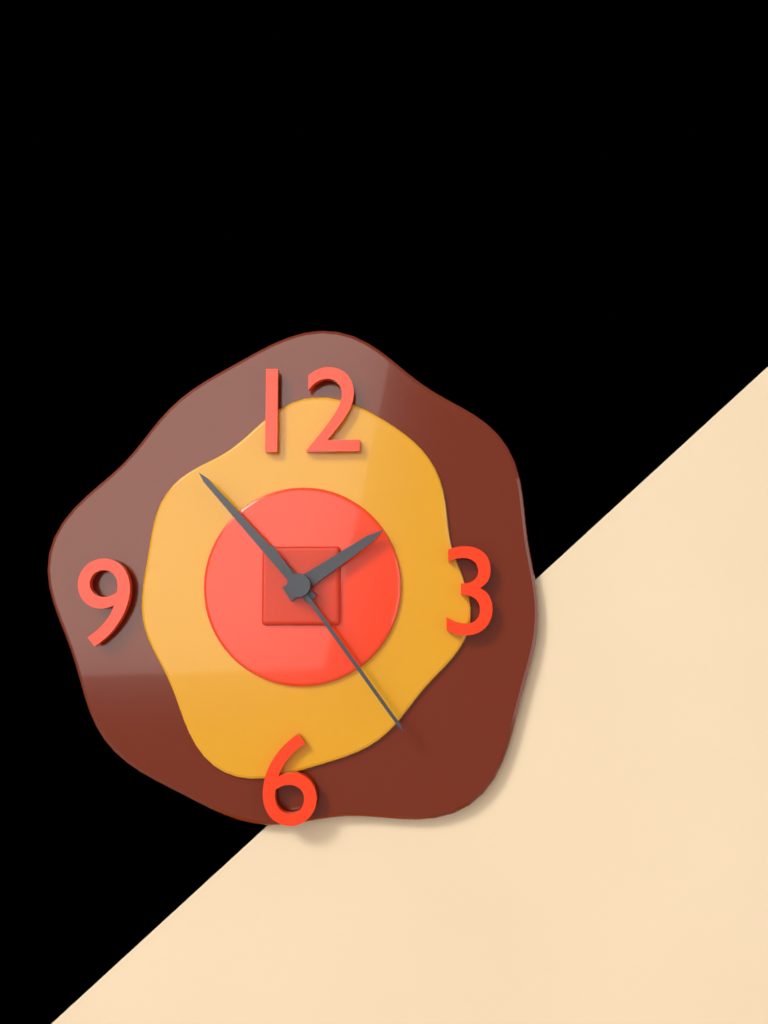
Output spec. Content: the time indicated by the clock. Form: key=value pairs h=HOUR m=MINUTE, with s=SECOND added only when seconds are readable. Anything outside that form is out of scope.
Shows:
h=1 m=53 s=24
